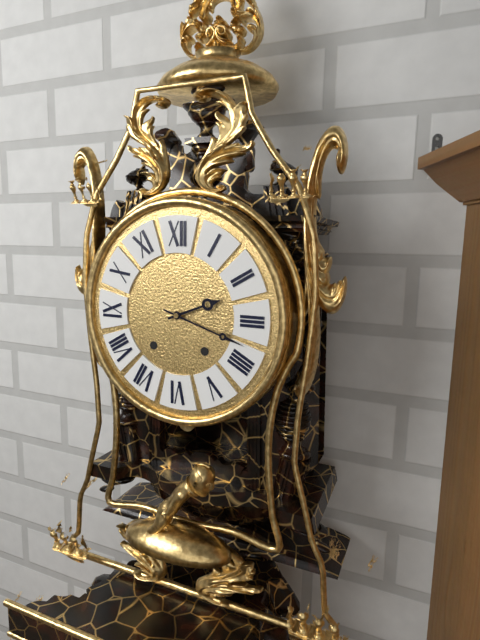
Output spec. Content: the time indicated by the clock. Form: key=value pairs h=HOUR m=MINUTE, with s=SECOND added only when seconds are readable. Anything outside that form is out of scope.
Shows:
h=2 m=18
